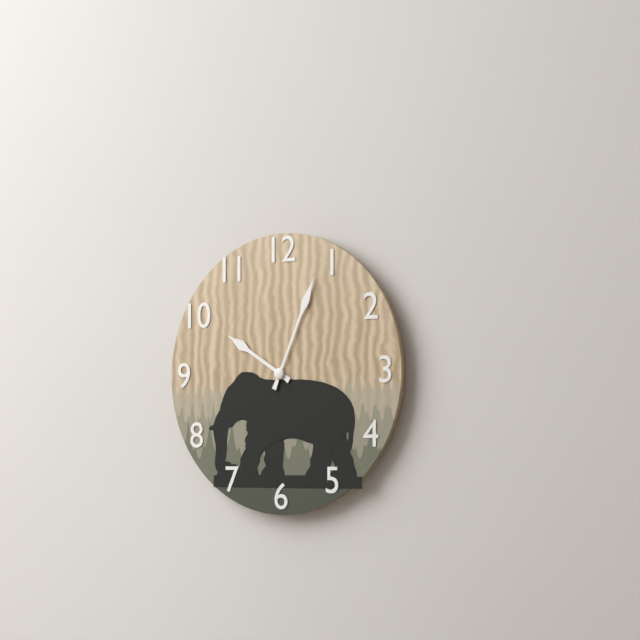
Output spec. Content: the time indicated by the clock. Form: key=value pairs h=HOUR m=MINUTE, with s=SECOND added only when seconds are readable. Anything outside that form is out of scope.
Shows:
h=10 m=4
